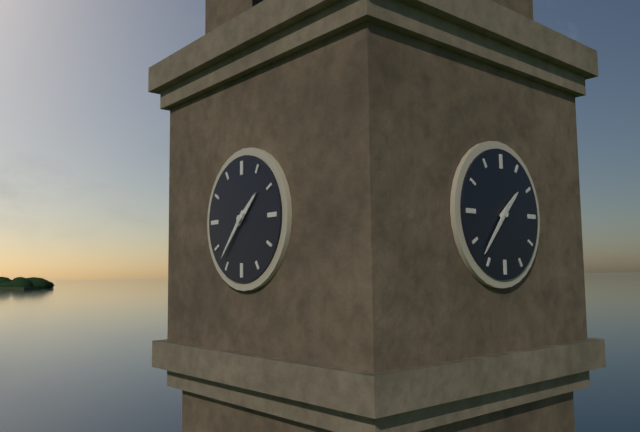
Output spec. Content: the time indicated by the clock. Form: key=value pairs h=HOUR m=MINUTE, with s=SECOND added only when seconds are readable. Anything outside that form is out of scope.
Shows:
h=1 m=37
